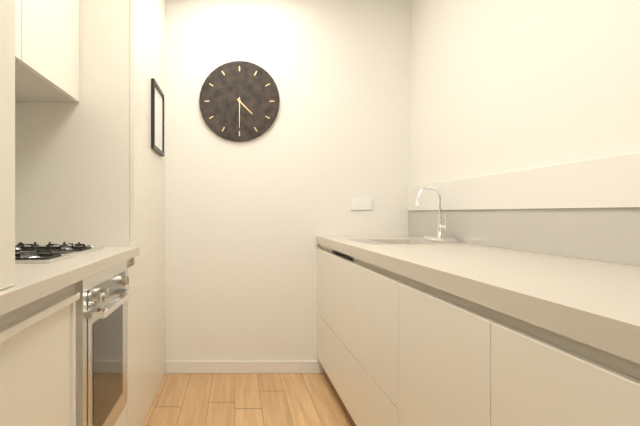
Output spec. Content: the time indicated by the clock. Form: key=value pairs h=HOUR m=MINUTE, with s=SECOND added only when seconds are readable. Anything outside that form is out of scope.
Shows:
h=4 m=30
